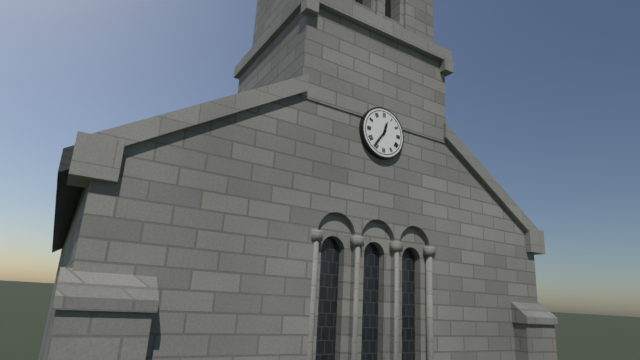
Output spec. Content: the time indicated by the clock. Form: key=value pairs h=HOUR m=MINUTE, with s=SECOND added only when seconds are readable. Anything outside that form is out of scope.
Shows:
h=12 m=36
